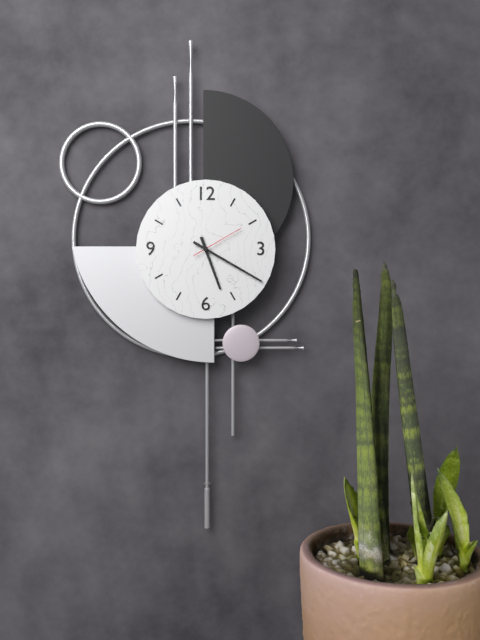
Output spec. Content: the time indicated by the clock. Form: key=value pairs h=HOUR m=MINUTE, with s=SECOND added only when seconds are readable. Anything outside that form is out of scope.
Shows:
h=5 m=20 s=10
